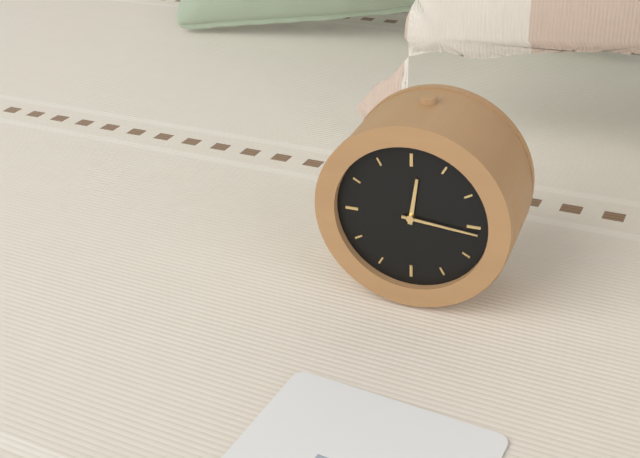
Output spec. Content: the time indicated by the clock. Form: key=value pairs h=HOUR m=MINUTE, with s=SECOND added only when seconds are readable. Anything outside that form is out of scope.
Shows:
h=12 m=16
